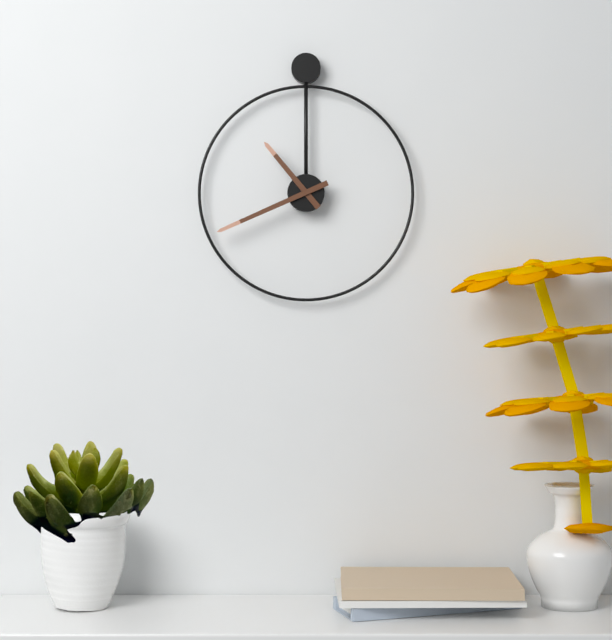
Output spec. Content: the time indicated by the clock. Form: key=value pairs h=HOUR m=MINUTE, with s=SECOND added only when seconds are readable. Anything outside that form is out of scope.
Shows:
h=10 m=41
